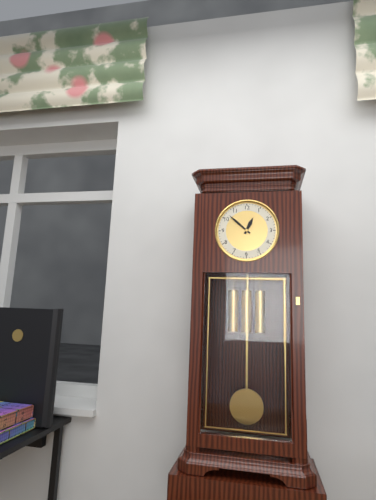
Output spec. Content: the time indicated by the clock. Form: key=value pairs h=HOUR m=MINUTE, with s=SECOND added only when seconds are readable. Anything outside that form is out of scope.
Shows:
h=12 m=52
